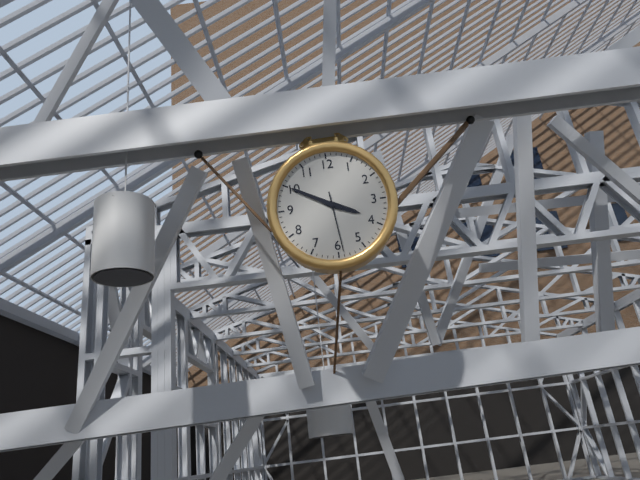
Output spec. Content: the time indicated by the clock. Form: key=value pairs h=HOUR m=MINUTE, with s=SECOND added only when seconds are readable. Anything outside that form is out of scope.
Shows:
h=3 m=50 s=29
